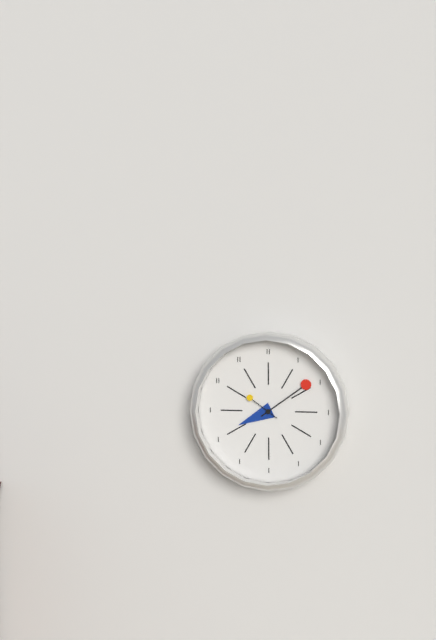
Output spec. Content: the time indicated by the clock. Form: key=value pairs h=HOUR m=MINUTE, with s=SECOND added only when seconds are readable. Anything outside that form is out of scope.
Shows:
h=8 m=9
